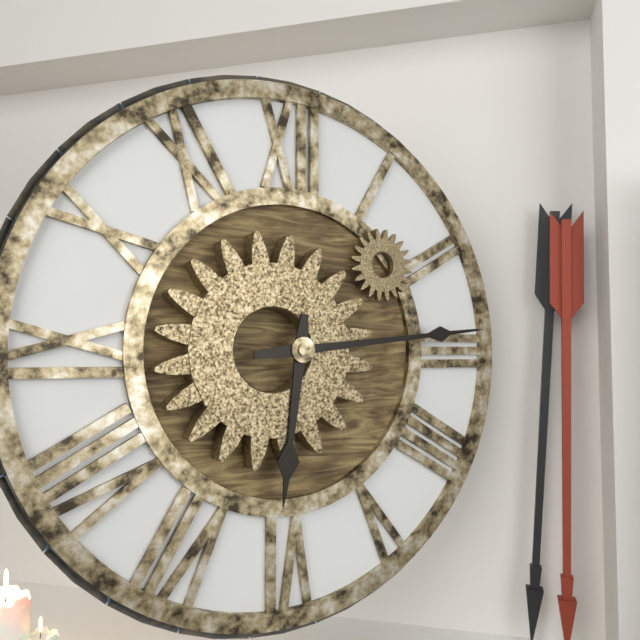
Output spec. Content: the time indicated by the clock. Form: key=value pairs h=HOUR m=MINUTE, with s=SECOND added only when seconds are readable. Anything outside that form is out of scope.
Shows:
h=6 m=14
